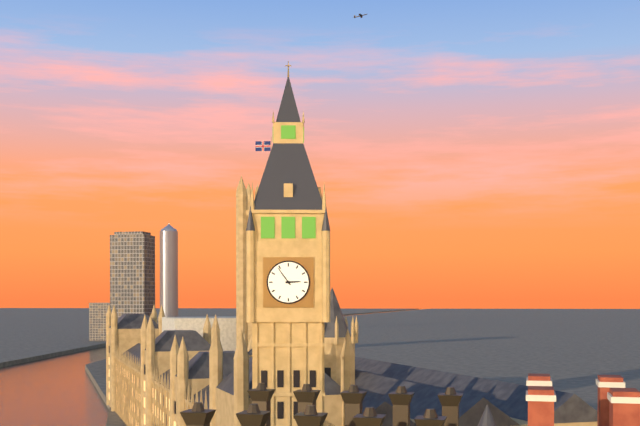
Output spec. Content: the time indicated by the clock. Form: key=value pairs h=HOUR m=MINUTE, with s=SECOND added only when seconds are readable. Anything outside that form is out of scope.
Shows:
h=2 m=54
